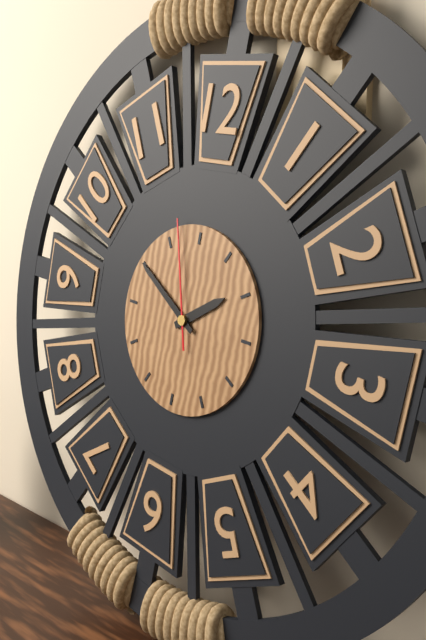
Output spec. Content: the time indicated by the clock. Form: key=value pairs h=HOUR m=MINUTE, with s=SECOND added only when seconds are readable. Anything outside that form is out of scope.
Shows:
h=1 m=50 s=57
